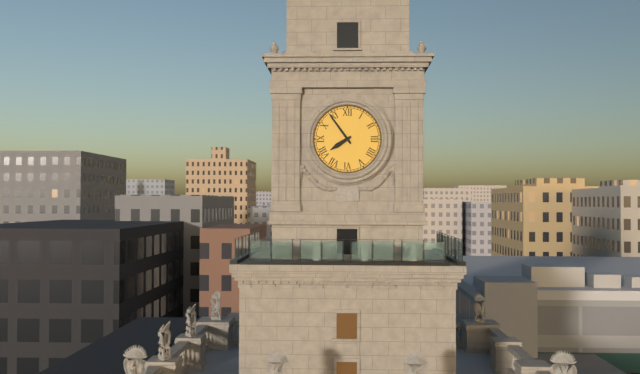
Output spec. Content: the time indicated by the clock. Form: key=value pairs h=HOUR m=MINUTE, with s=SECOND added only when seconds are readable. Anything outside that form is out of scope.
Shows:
h=7 m=54
